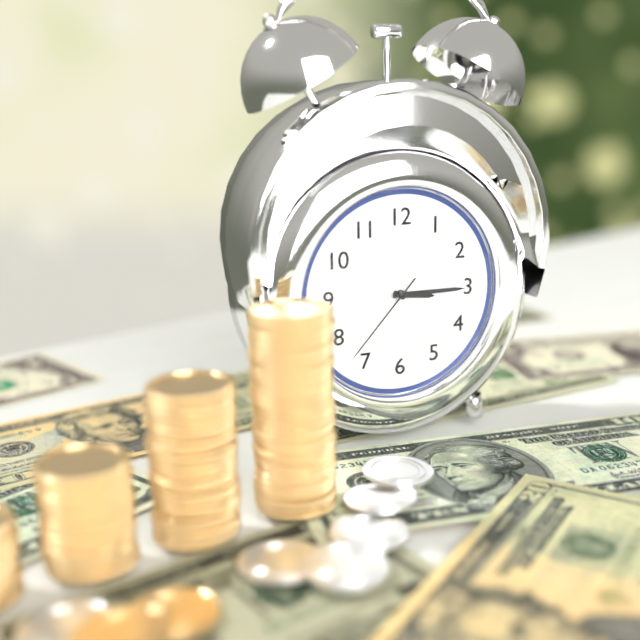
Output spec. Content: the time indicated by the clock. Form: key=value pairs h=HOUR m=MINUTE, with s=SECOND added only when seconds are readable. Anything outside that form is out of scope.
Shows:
h=3 m=15 s=37
